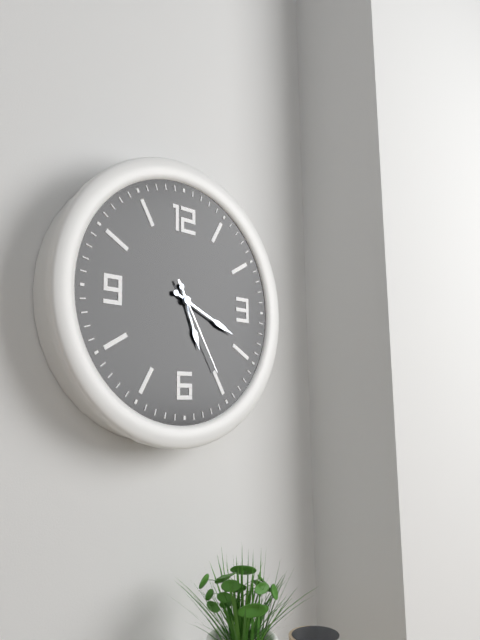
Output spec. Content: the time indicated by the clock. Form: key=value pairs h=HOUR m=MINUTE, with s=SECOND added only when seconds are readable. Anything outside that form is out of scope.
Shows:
h=5 m=19 s=25
